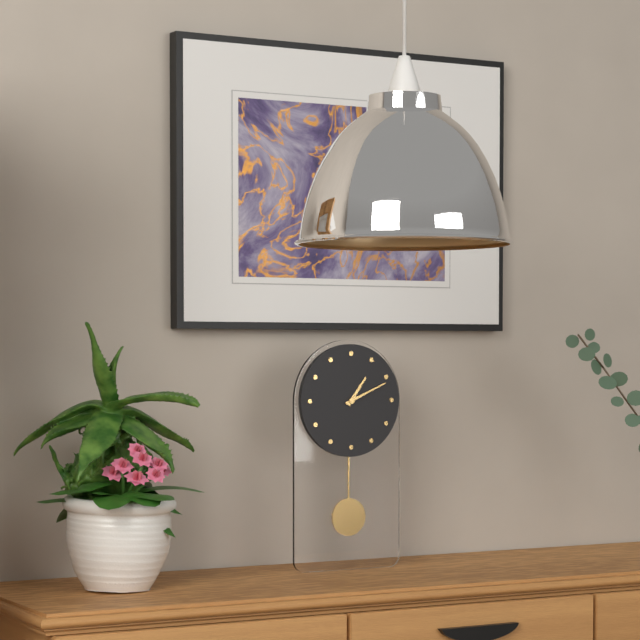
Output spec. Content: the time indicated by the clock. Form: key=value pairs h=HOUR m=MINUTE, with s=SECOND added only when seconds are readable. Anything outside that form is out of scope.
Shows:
h=1 m=11
